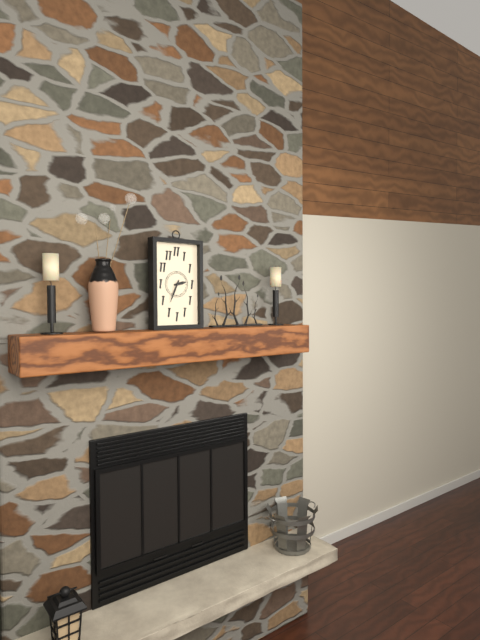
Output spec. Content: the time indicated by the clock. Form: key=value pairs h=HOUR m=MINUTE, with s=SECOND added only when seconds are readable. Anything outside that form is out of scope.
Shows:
h=2 m=34
